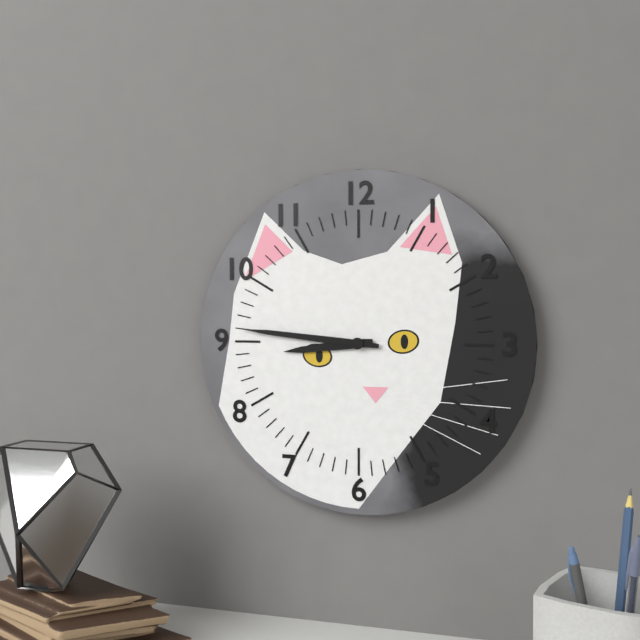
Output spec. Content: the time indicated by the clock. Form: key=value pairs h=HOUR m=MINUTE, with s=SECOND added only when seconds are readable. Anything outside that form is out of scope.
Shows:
h=8 m=46
